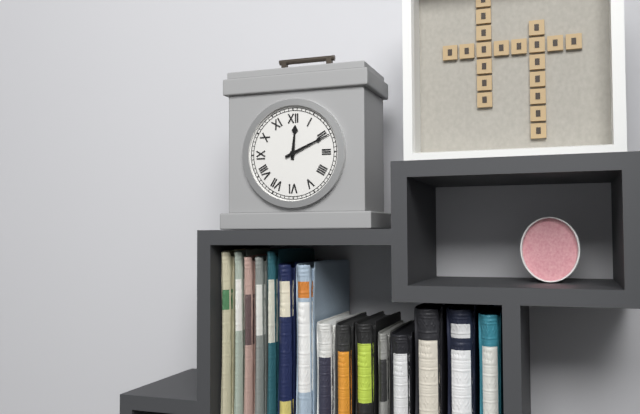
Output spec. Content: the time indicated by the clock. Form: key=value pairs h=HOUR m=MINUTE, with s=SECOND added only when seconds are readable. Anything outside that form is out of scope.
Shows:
h=12 m=11
